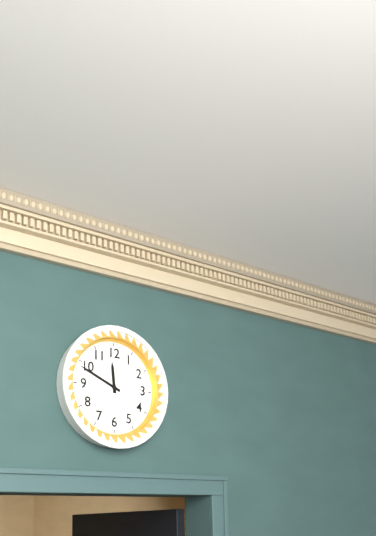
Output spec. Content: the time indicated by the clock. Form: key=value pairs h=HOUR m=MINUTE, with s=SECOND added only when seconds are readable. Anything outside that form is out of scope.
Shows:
h=11 m=49
